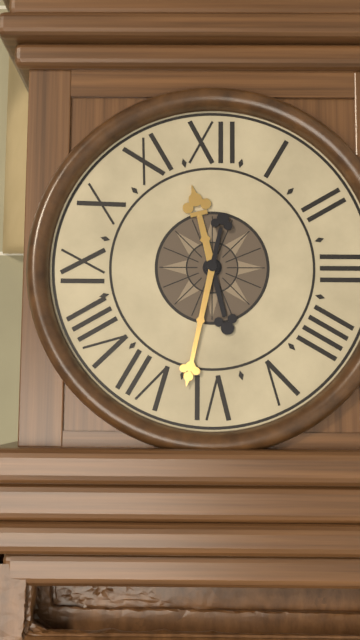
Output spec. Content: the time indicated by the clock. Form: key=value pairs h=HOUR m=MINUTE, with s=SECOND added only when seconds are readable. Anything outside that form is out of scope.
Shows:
h=11 m=32
